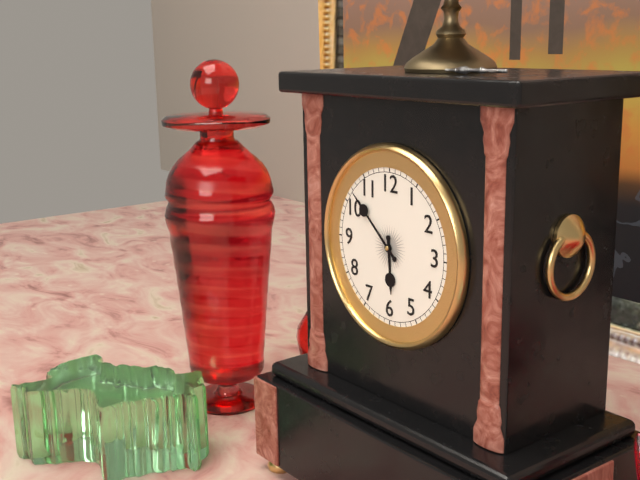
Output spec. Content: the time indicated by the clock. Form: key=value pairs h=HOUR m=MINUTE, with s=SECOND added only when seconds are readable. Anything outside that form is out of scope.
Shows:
h=5 m=52
